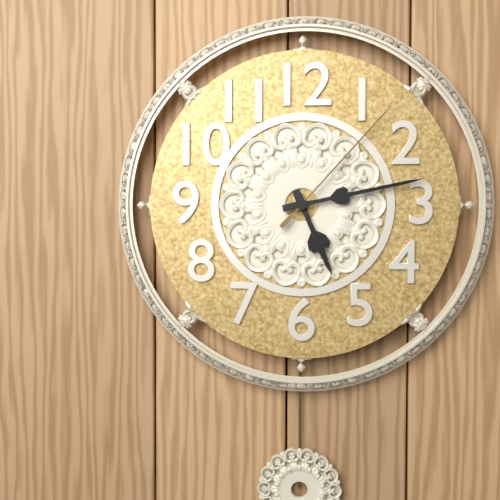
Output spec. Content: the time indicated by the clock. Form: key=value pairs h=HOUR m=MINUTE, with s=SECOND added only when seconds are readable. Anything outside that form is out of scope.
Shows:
h=5 m=13 s=7
